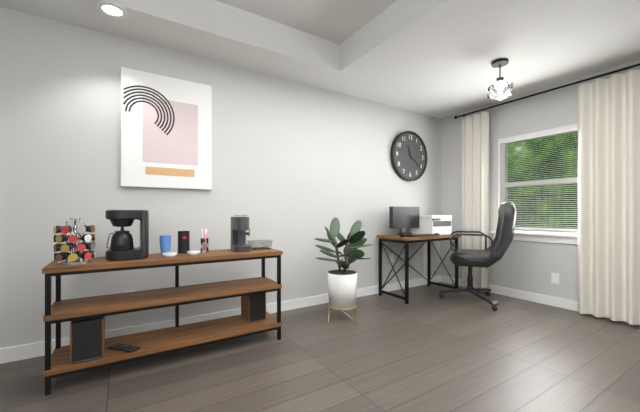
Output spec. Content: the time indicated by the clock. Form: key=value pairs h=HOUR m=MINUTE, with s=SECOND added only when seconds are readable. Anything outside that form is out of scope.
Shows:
h=11 m=21
